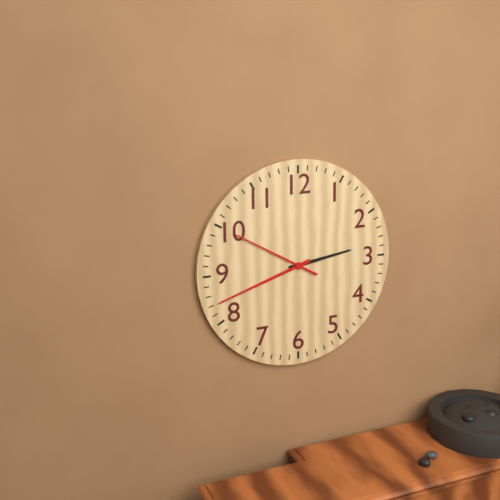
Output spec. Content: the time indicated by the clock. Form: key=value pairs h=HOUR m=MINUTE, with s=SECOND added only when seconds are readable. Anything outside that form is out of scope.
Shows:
h=2 m=42 s=50
